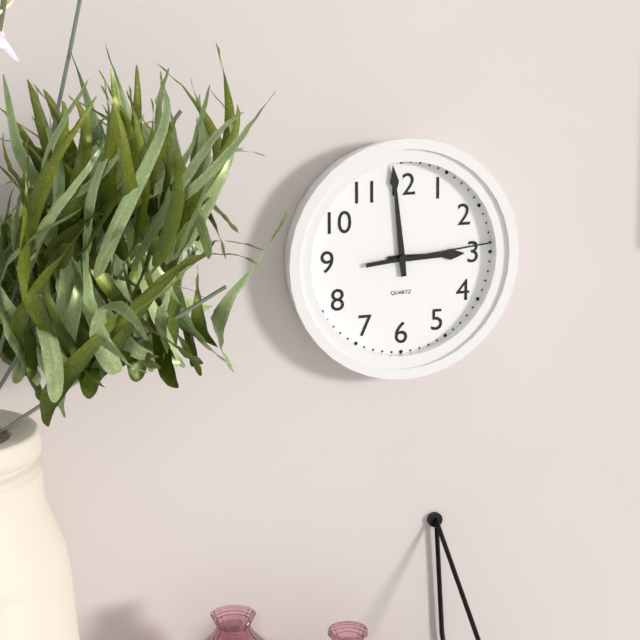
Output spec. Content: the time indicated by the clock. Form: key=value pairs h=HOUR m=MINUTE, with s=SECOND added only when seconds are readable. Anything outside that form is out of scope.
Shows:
h=2 m=59 s=14
